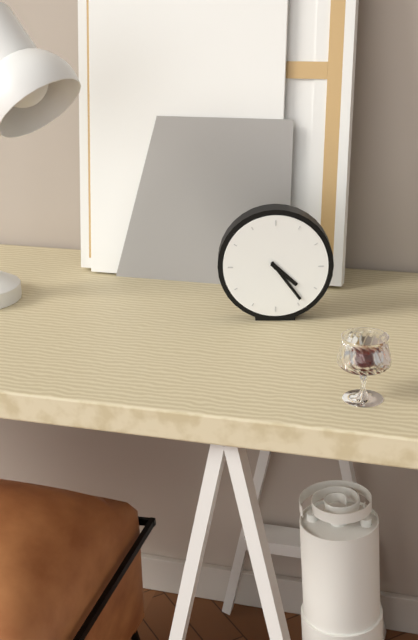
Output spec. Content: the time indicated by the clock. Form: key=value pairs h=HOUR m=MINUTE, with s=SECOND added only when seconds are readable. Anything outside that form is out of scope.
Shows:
h=4 m=24
